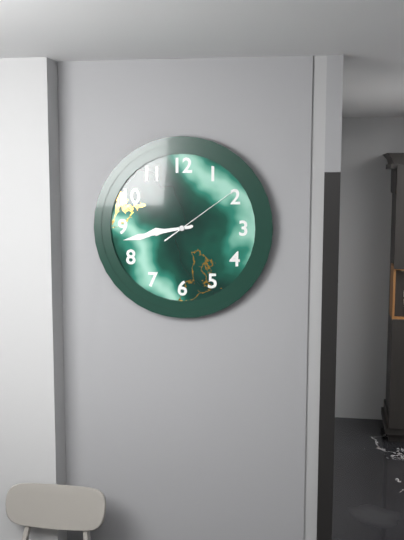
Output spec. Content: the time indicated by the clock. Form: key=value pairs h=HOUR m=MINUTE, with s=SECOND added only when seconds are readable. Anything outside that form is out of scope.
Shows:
h=8 m=43 s=9
